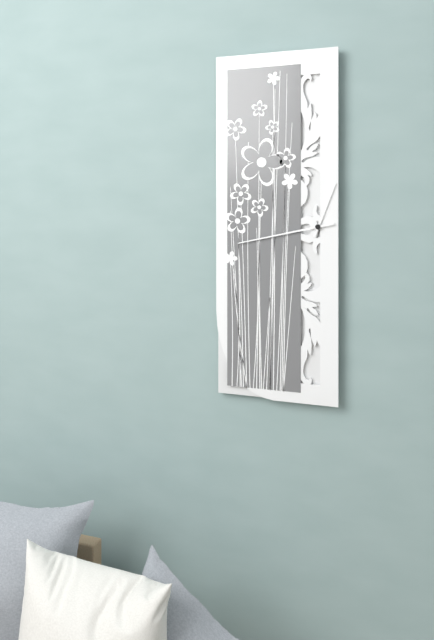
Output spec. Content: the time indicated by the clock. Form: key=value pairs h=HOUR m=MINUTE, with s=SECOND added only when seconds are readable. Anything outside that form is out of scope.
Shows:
h=12 m=43
